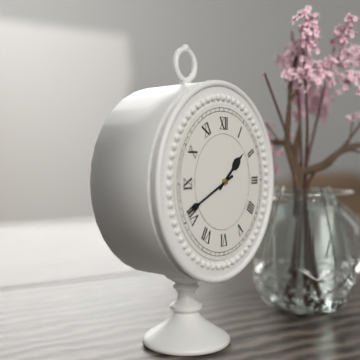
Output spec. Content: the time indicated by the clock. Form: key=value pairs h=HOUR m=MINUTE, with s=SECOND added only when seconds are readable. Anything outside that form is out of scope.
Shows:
h=1 m=41
